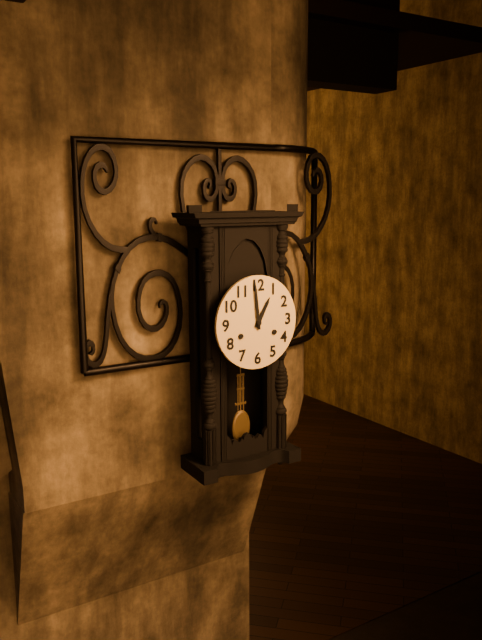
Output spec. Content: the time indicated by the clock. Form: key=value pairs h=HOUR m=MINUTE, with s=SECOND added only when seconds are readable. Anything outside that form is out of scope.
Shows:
h=12 m=59
